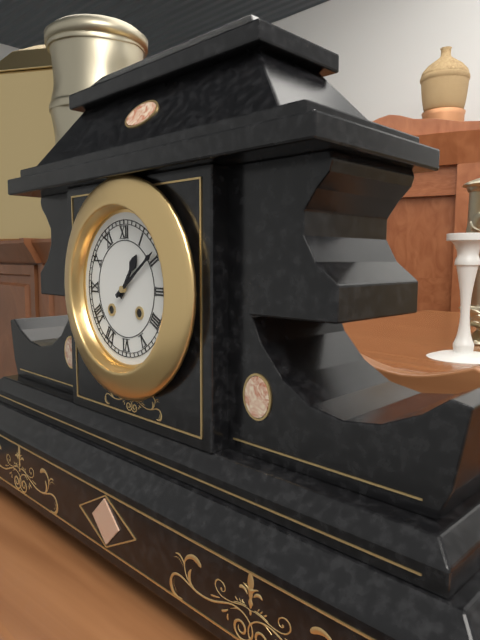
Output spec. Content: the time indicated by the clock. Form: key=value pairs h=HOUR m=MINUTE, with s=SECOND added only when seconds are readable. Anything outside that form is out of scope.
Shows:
h=1 m=9
